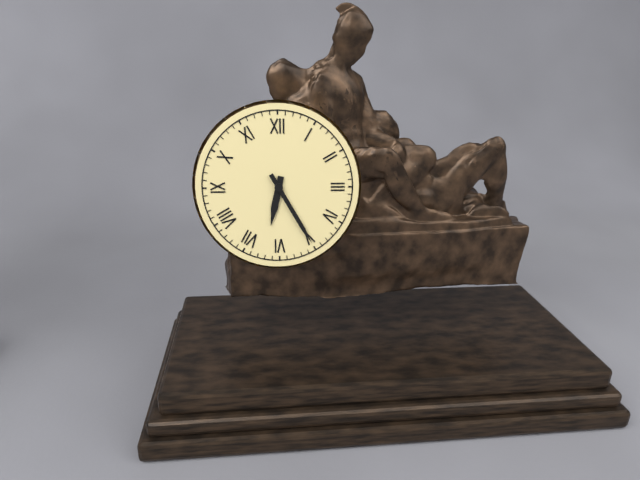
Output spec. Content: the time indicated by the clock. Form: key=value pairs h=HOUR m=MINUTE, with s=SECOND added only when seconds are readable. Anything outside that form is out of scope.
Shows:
h=6 m=25
